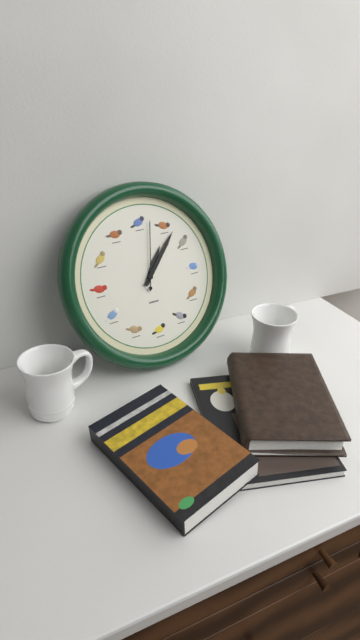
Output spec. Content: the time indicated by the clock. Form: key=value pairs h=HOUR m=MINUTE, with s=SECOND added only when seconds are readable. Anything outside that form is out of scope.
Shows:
h=1 m=7 s=2
